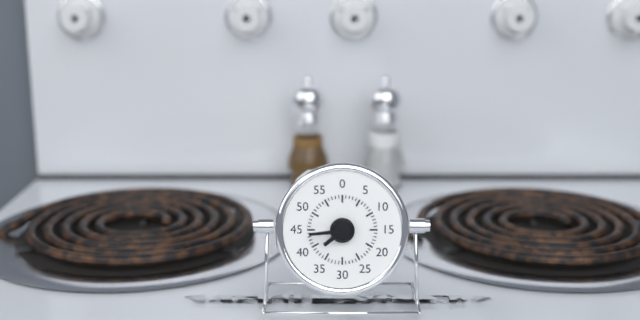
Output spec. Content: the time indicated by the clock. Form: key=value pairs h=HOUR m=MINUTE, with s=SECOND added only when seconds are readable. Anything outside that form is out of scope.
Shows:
h=7 m=44
